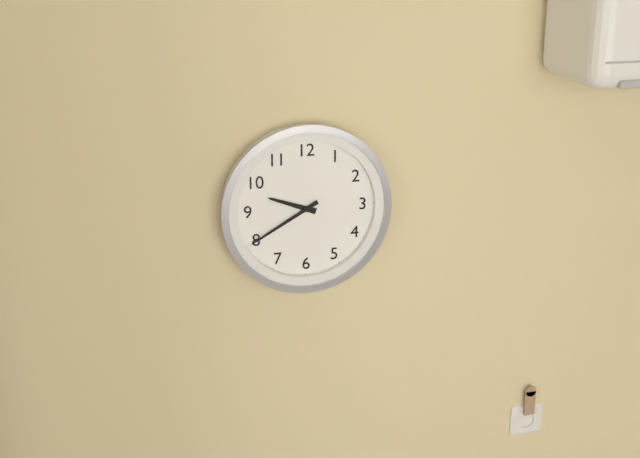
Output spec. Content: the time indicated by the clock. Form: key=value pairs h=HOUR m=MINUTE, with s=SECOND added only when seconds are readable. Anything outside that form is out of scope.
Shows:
h=9 m=40
